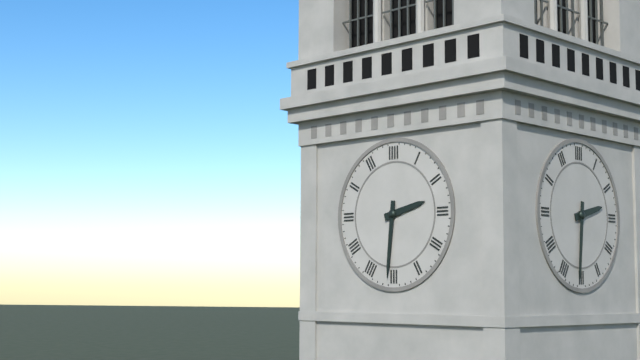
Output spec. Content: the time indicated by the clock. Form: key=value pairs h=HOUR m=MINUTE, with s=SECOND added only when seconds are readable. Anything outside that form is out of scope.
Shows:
h=2 m=31
